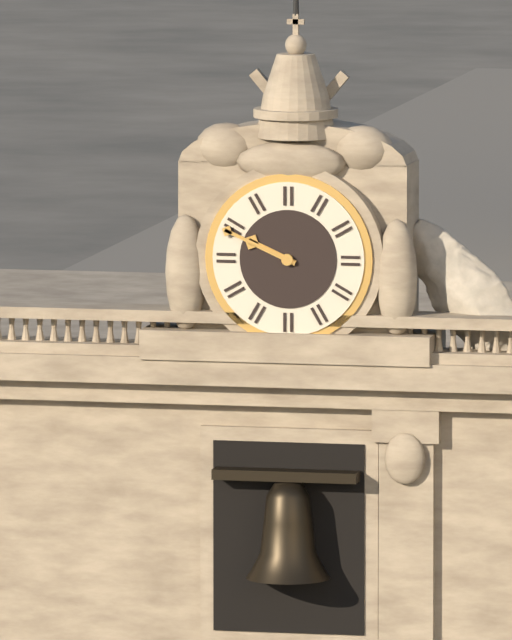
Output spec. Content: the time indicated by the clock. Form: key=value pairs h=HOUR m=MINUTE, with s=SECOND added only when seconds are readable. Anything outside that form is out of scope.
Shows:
h=9 m=49
